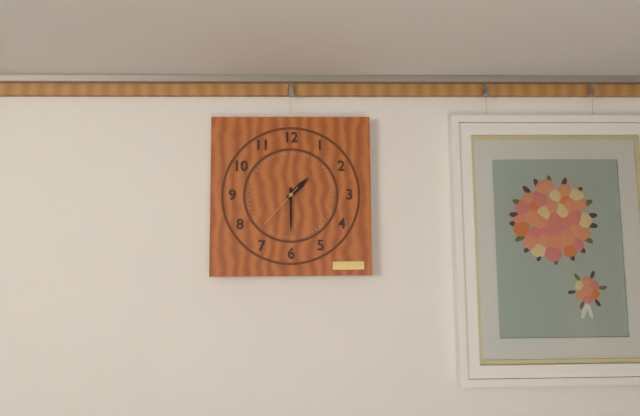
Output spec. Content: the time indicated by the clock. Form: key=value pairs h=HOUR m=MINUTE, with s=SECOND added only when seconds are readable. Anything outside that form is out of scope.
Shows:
h=1 m=30
